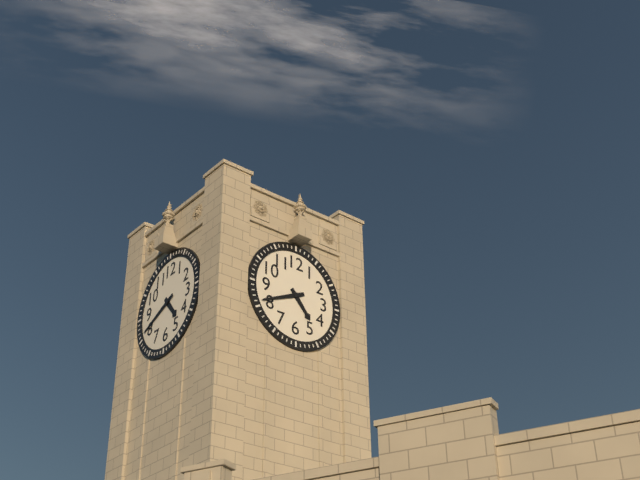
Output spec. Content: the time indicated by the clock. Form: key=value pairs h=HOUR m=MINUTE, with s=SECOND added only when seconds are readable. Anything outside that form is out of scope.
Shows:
h=4 m=41
